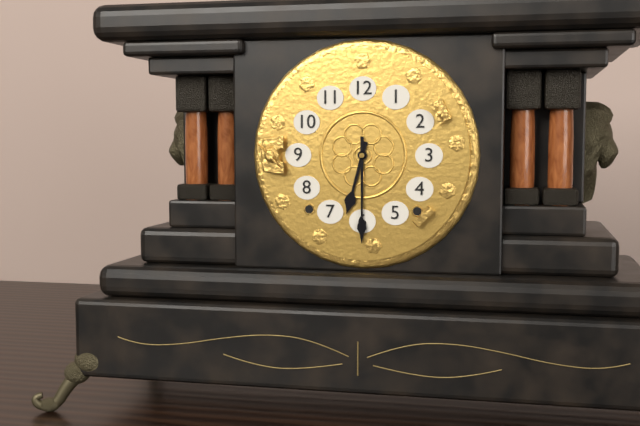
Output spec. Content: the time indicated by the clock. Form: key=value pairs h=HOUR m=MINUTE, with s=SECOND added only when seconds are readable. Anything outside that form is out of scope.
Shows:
h=6 m=30
